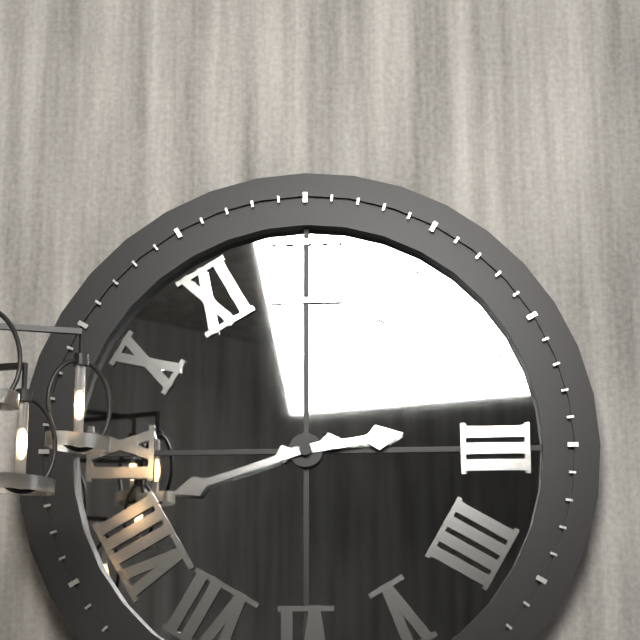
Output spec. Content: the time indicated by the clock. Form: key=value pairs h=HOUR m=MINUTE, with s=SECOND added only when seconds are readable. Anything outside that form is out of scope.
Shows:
h=2 m=42
